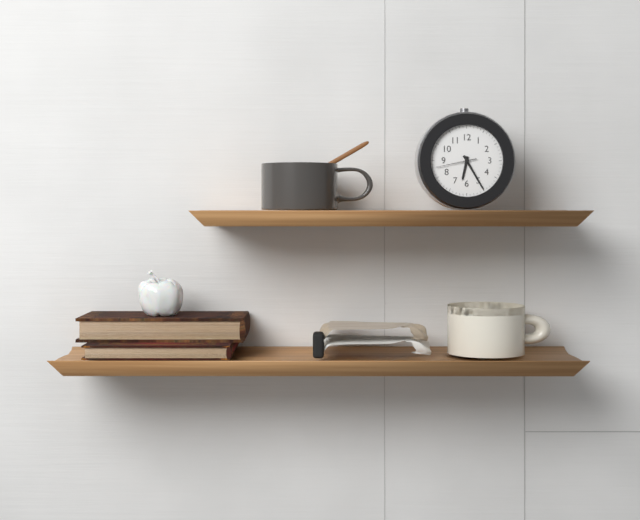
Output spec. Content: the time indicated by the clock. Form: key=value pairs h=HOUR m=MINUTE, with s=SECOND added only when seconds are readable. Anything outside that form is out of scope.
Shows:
h=6 m=25
